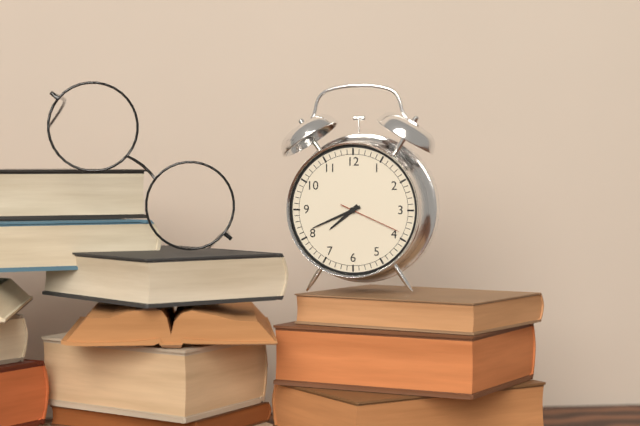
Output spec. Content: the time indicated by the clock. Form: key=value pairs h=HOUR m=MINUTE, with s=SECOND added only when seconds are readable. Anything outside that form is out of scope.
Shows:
h=7 m=41 s=19
